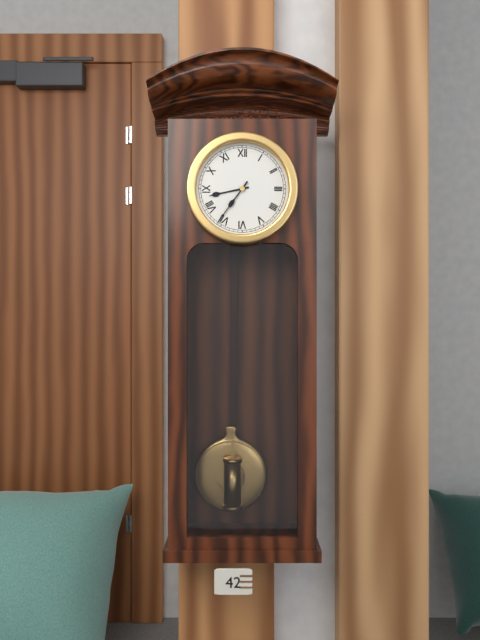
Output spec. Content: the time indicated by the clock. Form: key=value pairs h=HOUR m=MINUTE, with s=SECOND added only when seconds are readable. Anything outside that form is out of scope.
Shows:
h=8 m=36
